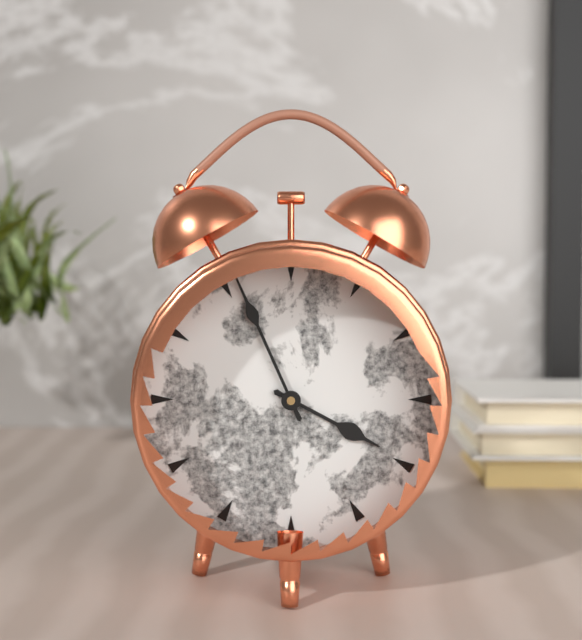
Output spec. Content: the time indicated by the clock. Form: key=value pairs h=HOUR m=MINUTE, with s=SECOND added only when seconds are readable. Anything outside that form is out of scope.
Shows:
h=3 m=56
